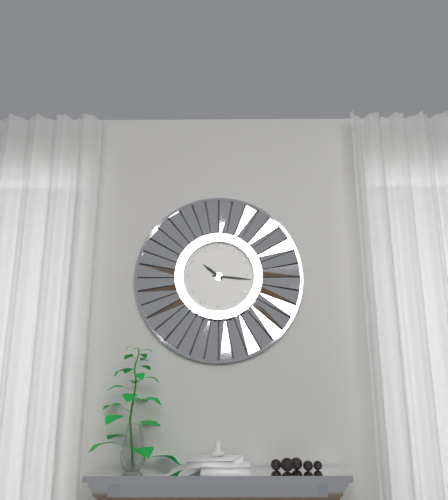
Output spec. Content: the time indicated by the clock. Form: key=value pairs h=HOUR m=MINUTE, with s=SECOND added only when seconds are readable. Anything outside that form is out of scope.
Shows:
h=10 m=16
